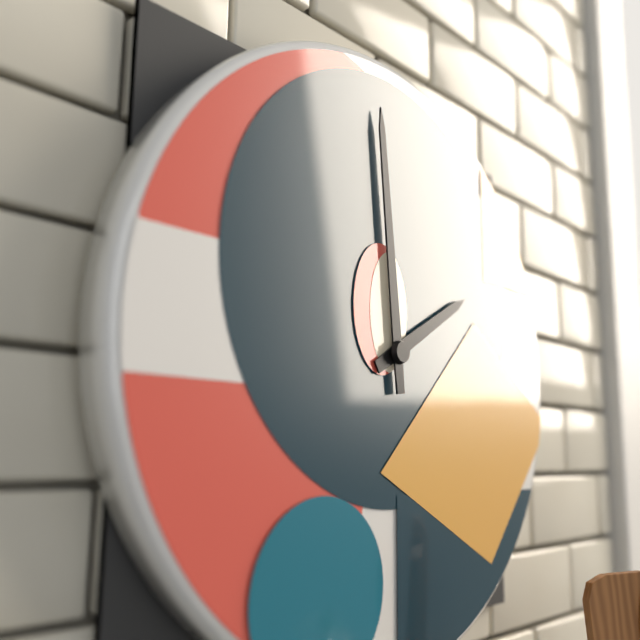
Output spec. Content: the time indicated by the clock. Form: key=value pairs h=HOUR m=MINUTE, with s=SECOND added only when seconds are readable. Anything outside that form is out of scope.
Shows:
h=1 m=59
